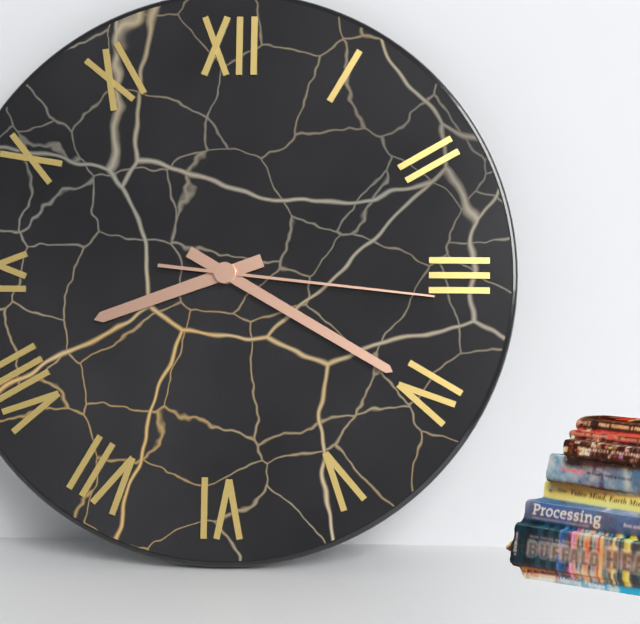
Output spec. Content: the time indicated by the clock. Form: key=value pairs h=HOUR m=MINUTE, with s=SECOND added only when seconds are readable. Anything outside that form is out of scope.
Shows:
h=8 m=20 s=16
